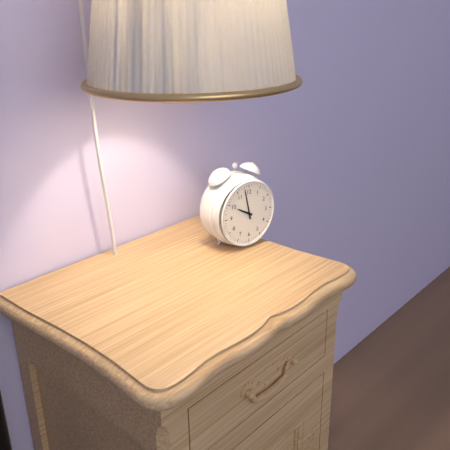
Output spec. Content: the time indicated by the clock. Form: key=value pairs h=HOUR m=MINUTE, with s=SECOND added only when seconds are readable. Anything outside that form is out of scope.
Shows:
h=9 m=58
